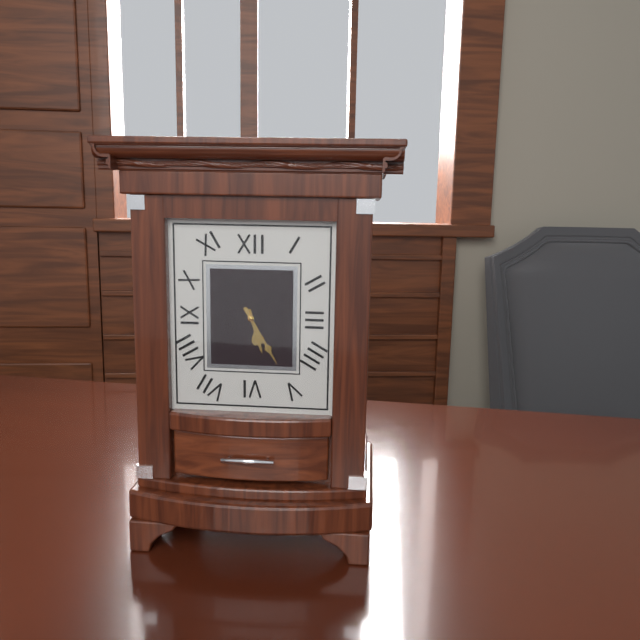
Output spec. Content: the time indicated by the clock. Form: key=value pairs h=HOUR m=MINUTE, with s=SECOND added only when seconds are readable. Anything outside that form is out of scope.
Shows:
h=5 m=25
